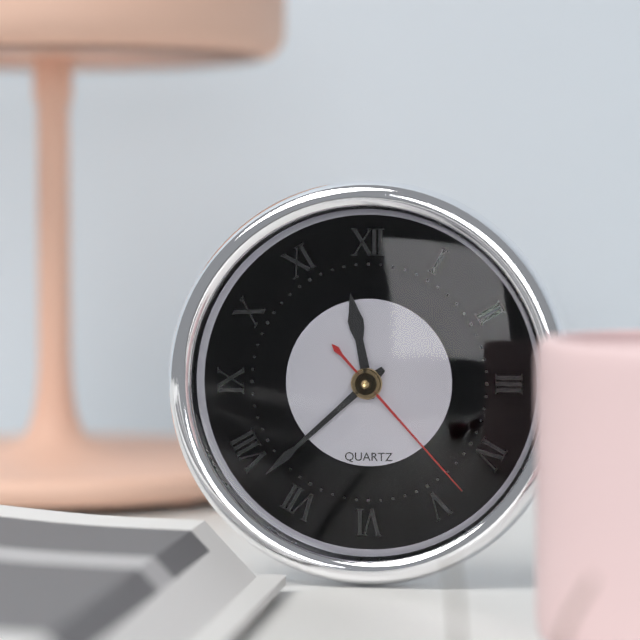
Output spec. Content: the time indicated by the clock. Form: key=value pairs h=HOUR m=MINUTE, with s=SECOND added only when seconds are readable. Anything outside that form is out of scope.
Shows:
h=11 m=38 s=23
